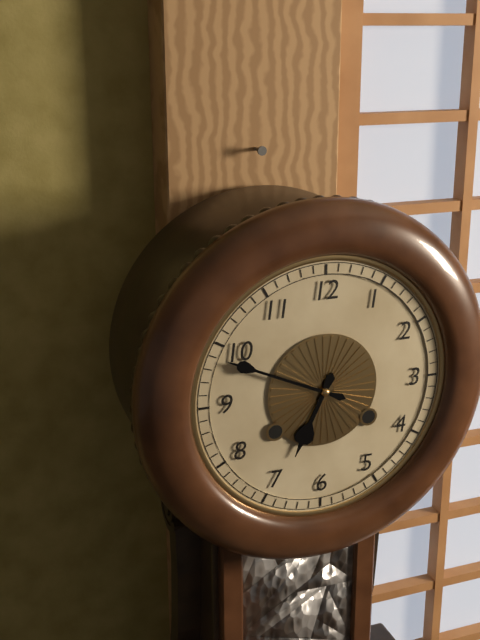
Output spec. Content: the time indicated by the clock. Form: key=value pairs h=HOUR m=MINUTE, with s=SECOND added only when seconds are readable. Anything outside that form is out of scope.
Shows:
h=6 m=49
